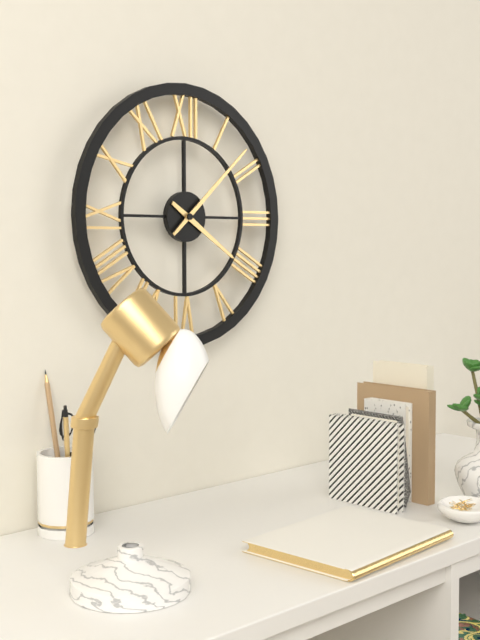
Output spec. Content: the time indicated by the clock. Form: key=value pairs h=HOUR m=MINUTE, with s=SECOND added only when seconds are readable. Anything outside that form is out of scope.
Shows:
h=4 m=8
